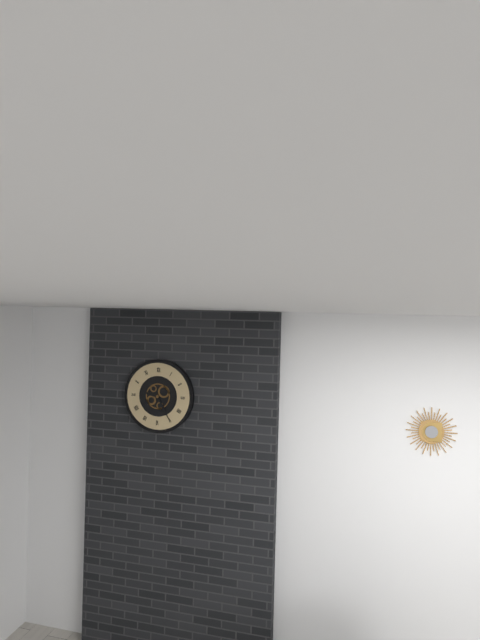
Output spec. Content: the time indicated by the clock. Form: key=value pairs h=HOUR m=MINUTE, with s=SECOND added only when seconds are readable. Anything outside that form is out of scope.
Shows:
h=9 m=25
